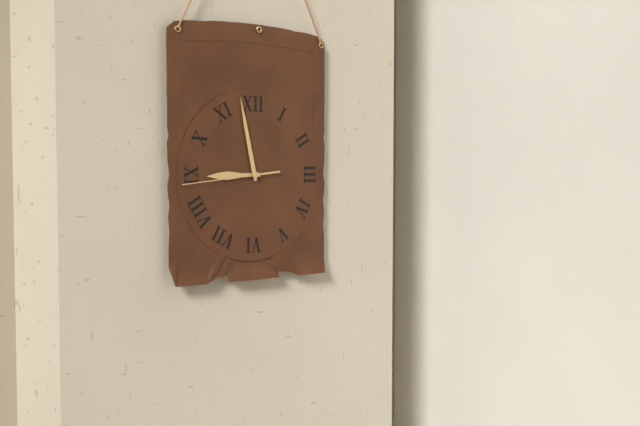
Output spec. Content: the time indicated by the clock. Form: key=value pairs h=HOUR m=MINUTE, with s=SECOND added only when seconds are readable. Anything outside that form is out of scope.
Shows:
h=8 m=58 s=44
